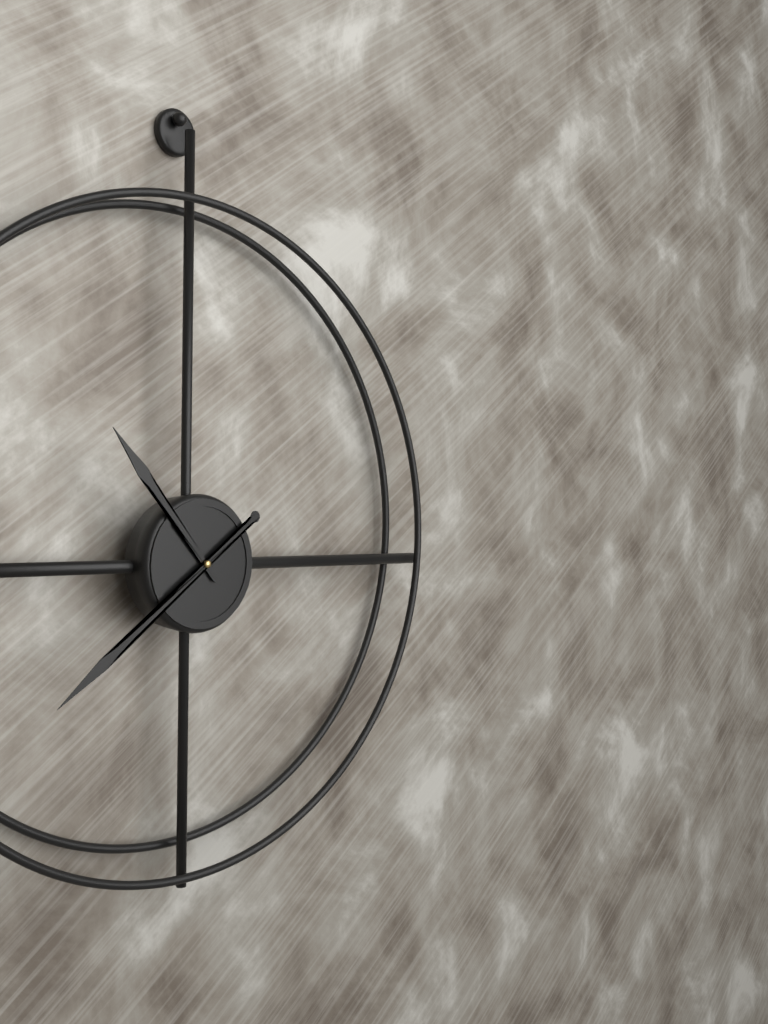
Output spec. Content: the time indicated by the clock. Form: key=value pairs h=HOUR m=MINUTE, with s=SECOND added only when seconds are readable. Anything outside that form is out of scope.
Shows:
h=10 m=39
